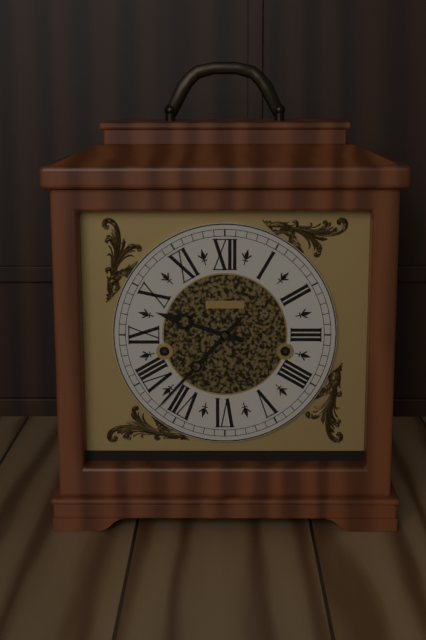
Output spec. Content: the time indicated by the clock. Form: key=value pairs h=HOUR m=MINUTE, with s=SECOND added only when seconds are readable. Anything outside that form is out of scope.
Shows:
h=9 m=37
